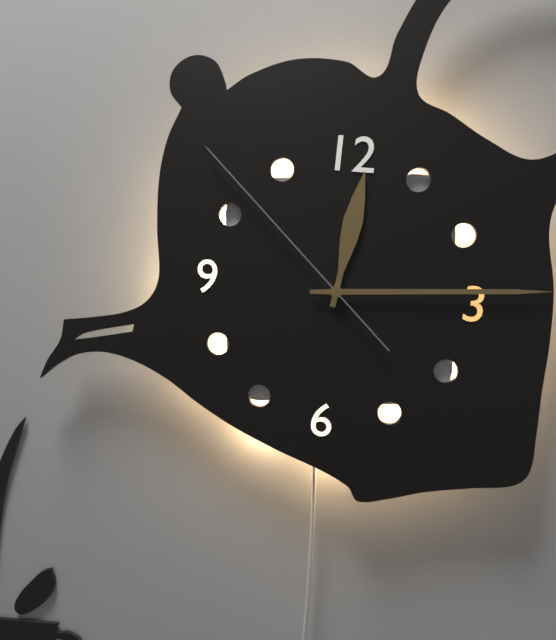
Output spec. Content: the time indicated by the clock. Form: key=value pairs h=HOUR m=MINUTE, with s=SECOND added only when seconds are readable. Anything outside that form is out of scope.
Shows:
h=12 m=14 s=52
